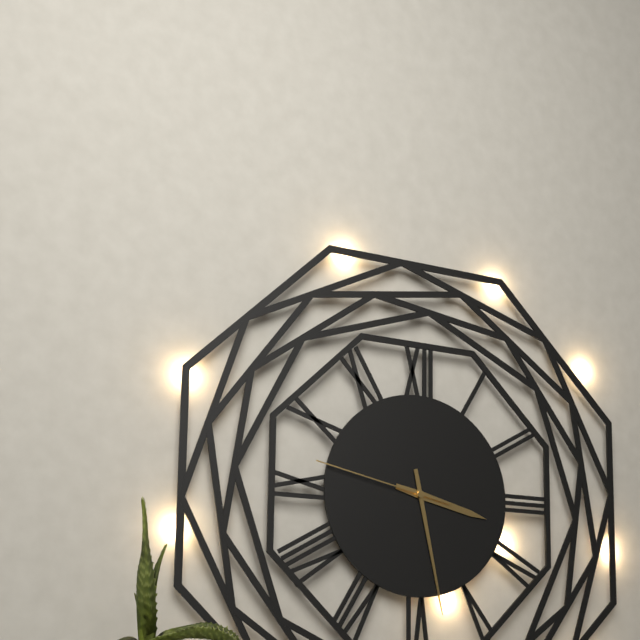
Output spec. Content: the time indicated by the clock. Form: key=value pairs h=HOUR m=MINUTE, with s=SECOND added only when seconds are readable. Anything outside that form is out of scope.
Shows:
h=3 m=28 s=47
